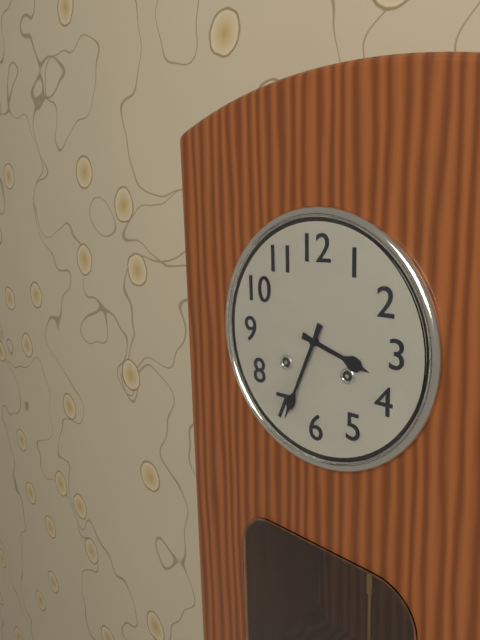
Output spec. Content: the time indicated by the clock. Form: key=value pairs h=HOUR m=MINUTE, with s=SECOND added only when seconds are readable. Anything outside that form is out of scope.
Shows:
h=3 m=34
